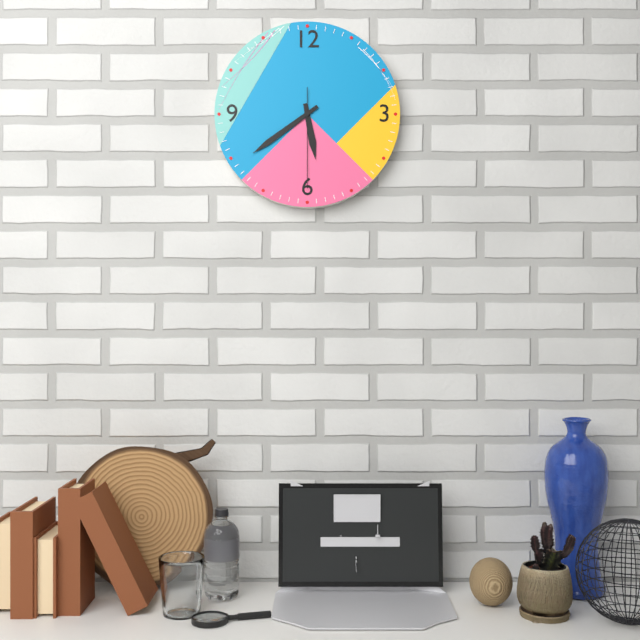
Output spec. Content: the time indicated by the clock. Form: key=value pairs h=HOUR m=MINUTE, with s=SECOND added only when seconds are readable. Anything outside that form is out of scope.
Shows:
h=5 m=39 s=30
